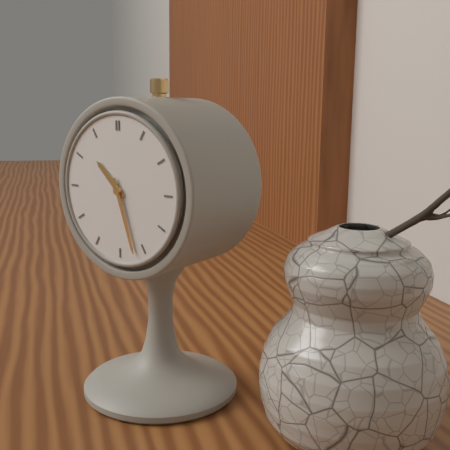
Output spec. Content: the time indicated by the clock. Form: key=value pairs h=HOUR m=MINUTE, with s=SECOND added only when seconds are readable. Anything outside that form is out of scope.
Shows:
h=10 m=27
